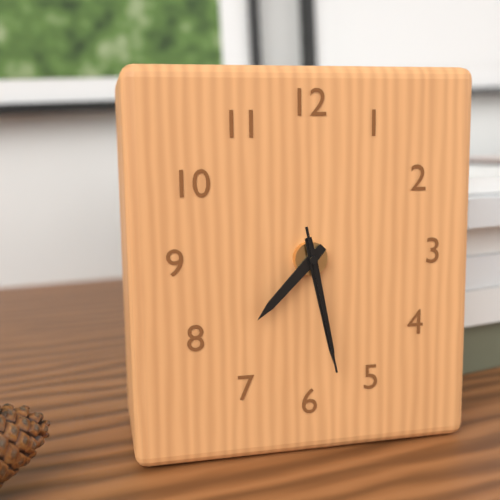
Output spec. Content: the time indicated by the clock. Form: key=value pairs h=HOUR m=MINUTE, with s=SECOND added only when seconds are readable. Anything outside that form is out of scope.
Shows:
h=7 m=28 s=28
